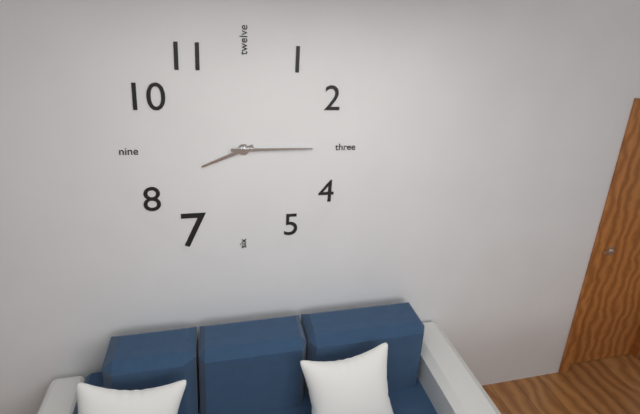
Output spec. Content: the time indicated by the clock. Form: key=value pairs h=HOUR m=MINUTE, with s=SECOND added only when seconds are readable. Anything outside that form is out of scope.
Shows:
h=8 m=15
